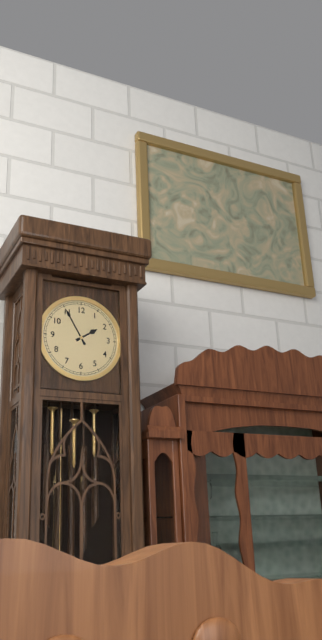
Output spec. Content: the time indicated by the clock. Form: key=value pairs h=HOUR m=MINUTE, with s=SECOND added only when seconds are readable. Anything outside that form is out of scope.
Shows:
h=1 m=55
